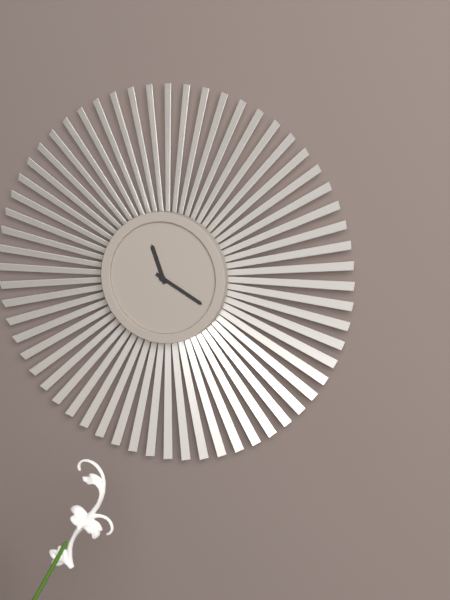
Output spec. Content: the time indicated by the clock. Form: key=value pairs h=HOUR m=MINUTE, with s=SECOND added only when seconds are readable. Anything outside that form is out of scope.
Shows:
h=11 m=20
